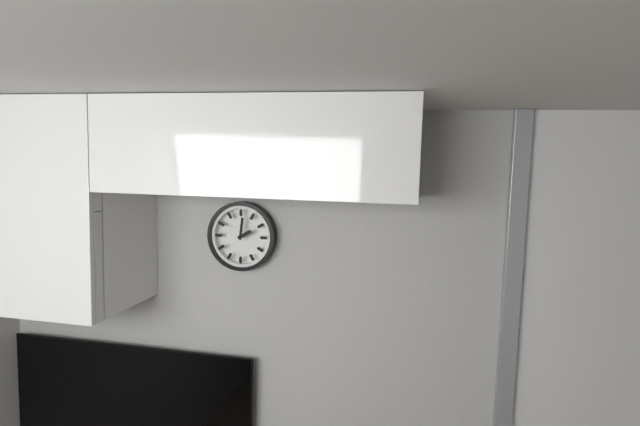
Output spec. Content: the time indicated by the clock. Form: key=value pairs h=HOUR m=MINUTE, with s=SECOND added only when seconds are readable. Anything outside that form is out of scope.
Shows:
h=2 m=1
